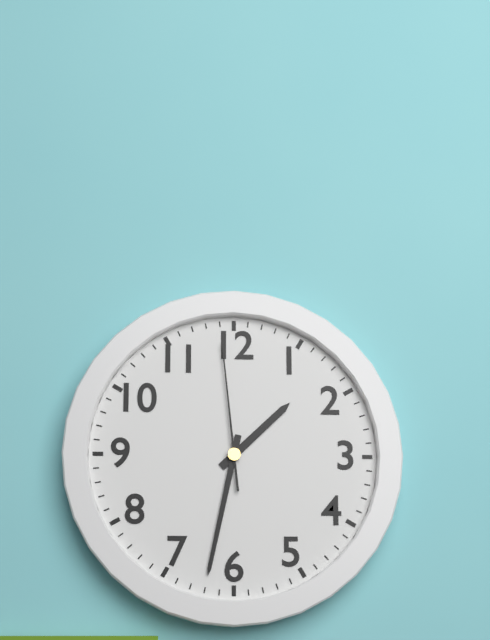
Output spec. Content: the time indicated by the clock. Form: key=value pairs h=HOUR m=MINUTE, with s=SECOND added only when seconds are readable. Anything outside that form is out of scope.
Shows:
h=1 m=32 s=59
